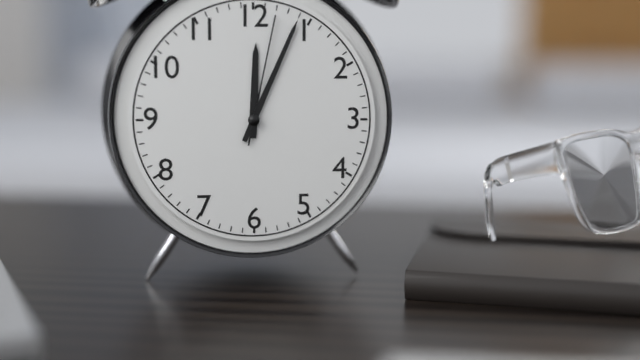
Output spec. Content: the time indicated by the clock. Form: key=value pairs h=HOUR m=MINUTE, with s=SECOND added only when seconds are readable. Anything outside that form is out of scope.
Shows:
h=12 m=4 s=2
